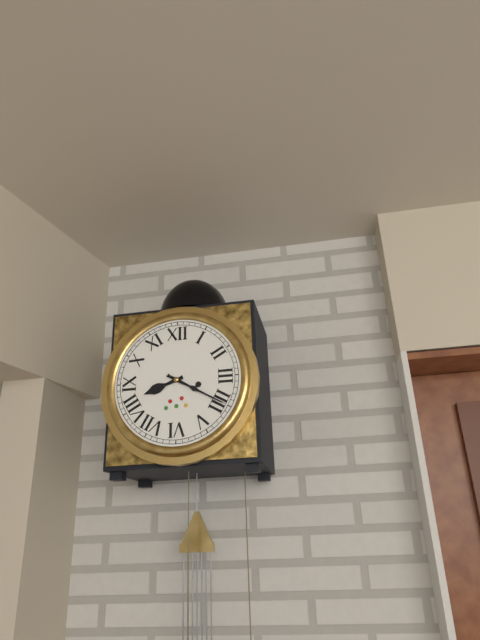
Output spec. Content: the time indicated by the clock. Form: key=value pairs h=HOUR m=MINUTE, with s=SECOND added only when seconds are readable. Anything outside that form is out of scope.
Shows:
h=8 m=20
